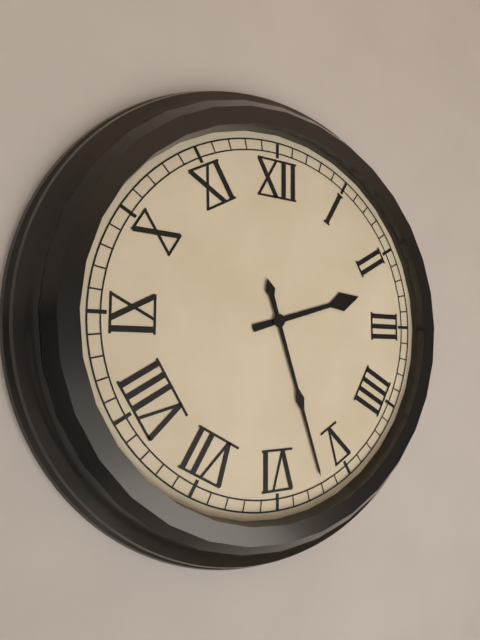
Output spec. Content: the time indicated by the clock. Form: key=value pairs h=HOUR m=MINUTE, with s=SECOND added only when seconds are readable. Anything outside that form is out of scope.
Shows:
h=2 m=27
